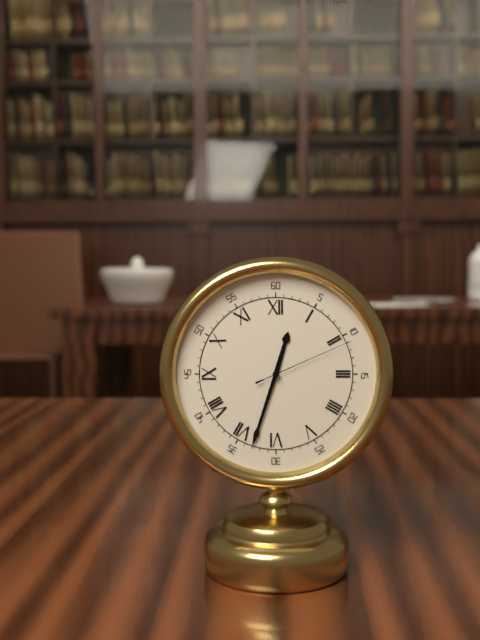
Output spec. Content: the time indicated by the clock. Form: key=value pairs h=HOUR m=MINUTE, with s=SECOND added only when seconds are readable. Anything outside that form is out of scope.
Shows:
h=12 m=33 s=11
